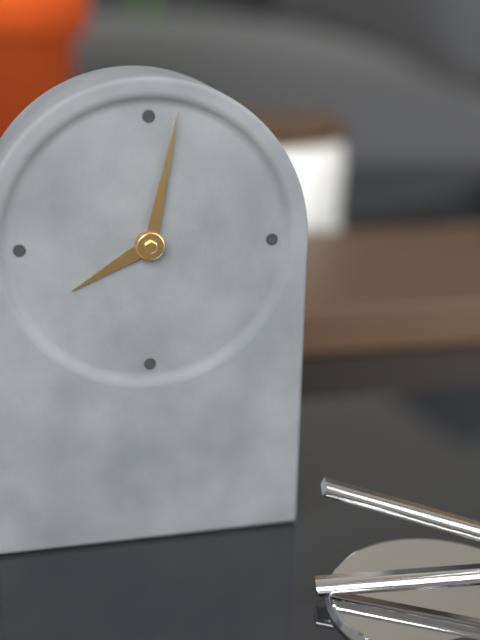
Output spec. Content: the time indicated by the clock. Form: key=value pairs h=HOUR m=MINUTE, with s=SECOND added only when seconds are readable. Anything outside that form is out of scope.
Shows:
h=8 m=2
